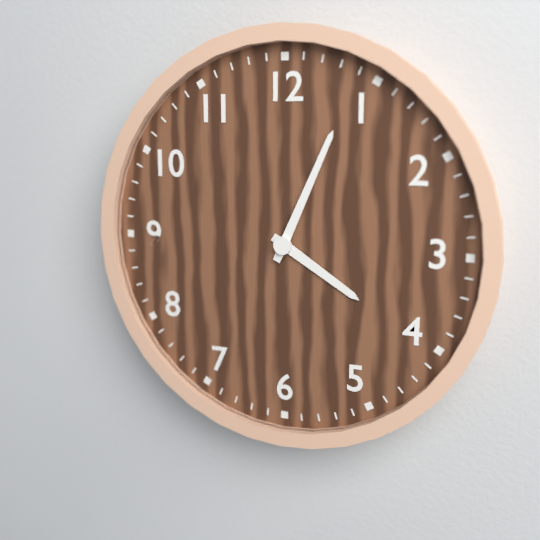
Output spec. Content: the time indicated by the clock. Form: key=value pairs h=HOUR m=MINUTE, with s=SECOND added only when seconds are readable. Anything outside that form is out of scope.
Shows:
h=4 m=4
